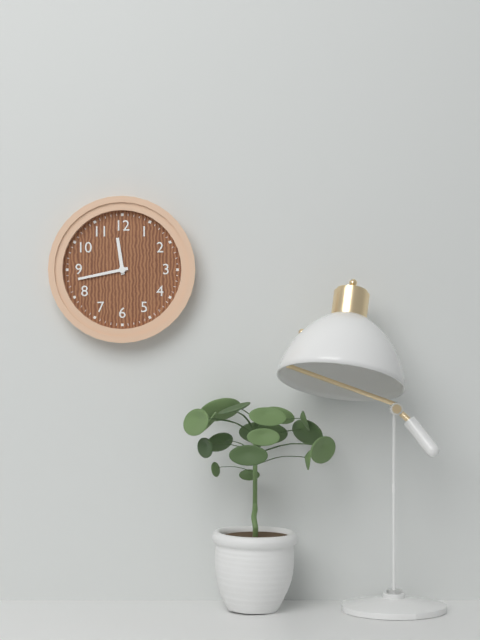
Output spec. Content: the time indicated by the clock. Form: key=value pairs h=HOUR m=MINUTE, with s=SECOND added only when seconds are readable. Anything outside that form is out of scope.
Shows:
h=11 m=43
